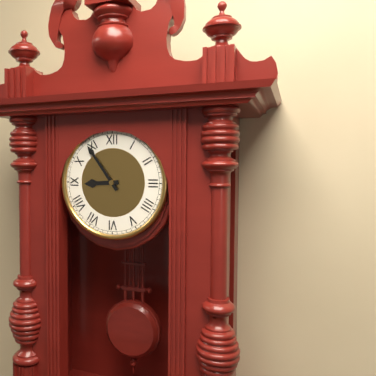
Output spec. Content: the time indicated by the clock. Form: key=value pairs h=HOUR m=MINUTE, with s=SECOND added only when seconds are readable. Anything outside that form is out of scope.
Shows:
h=8 m=54
